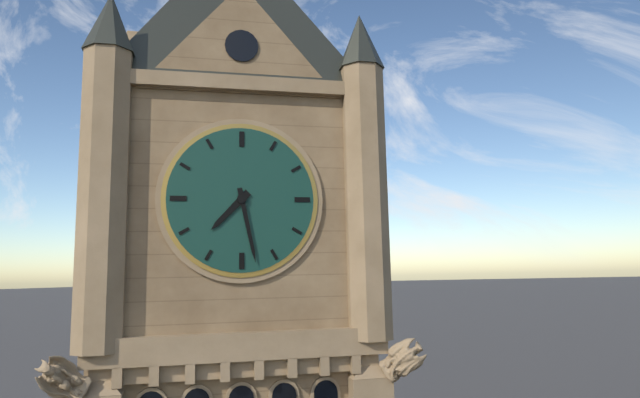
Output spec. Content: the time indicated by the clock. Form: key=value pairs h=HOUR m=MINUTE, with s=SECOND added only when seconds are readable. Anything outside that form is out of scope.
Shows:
h=7 m=28
